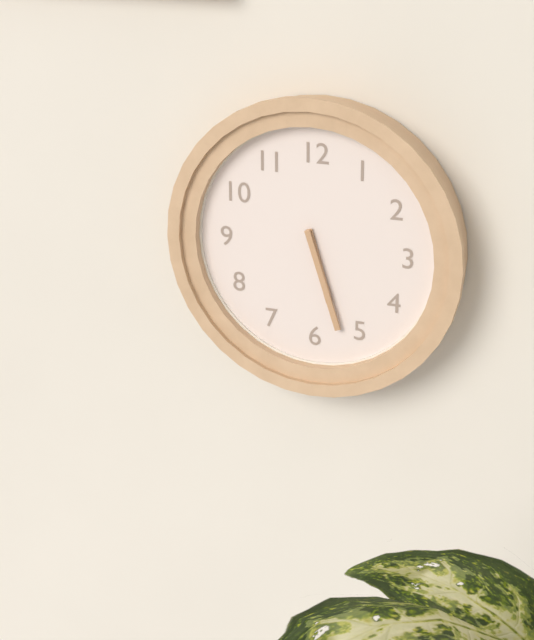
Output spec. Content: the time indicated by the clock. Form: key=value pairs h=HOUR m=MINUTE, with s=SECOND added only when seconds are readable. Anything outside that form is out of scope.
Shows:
h=5 m=27
